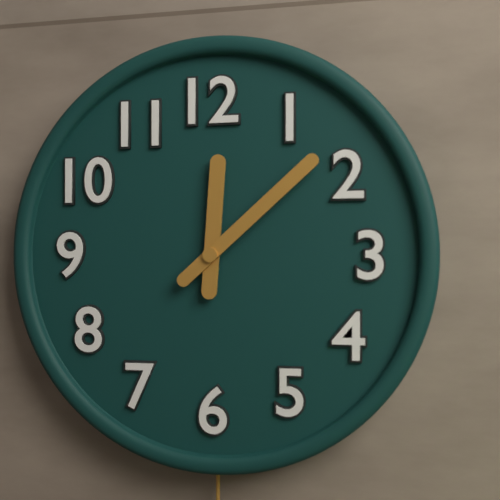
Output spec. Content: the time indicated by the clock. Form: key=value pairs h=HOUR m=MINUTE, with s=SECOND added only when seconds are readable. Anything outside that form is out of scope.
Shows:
h=12 m=8
